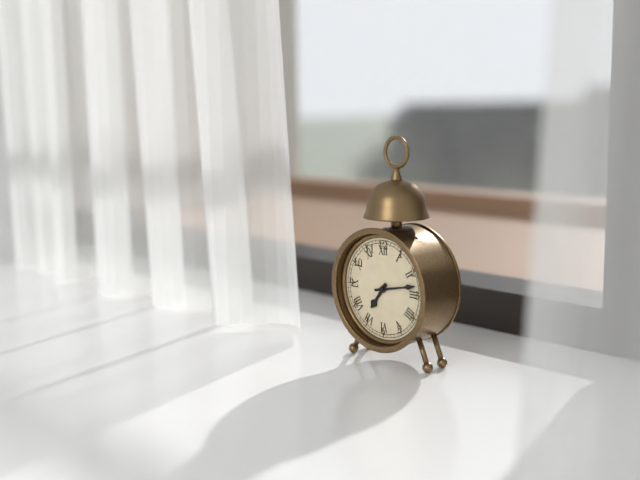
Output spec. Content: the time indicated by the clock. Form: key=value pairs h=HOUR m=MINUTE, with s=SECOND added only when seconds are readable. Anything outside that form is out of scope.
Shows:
h=7 m=13
